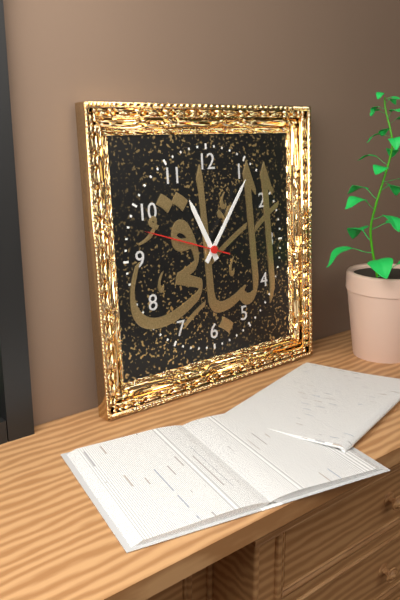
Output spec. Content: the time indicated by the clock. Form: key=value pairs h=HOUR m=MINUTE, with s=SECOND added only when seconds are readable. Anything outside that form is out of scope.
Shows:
h=11 m=6 s=48
